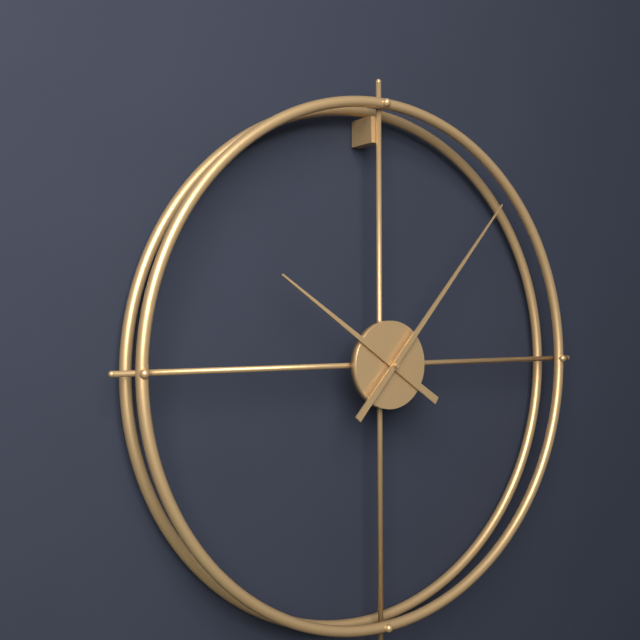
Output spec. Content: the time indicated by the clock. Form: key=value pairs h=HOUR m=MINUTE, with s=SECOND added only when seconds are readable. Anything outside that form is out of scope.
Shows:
h=10 m=7
